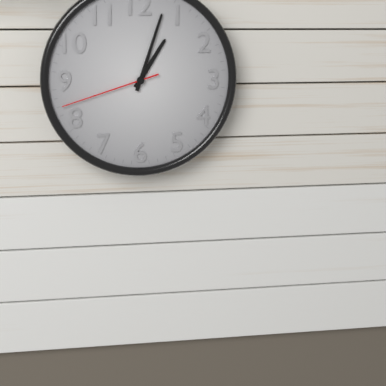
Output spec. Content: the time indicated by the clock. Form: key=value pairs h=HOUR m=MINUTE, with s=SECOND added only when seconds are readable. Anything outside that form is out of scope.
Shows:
h=1 m=3 s=42
